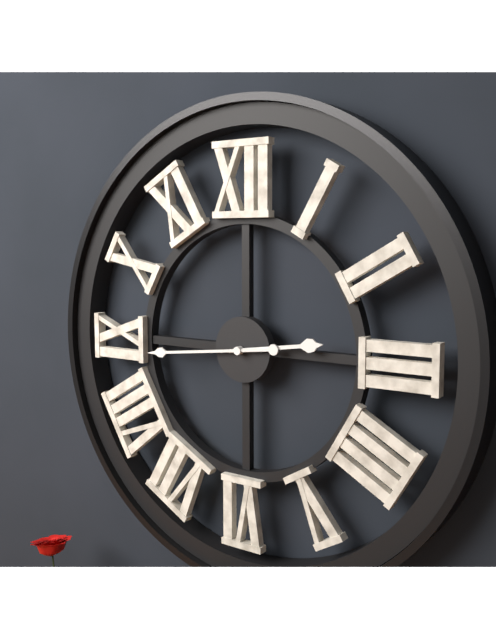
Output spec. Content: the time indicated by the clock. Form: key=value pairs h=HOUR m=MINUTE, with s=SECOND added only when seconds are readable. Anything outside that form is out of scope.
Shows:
h=2 m=44
